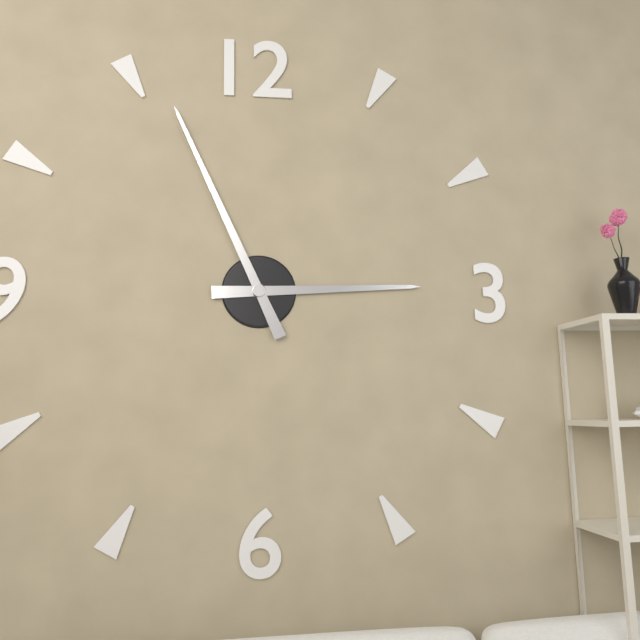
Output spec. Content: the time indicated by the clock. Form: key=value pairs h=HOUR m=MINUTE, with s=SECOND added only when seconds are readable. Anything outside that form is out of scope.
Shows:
h=2 m=56
